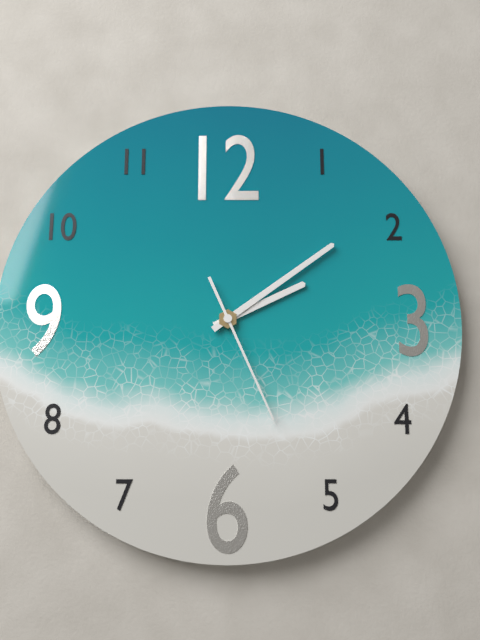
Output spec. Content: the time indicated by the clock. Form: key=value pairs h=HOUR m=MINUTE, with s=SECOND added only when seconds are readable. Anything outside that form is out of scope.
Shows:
h=2 m=9 s=26
